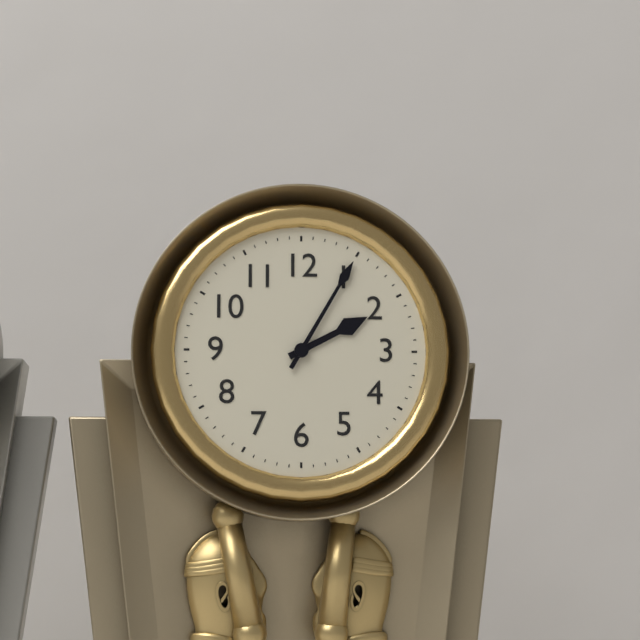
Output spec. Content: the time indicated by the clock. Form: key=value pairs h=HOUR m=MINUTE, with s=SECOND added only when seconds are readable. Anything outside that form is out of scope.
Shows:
h=2 m=5
